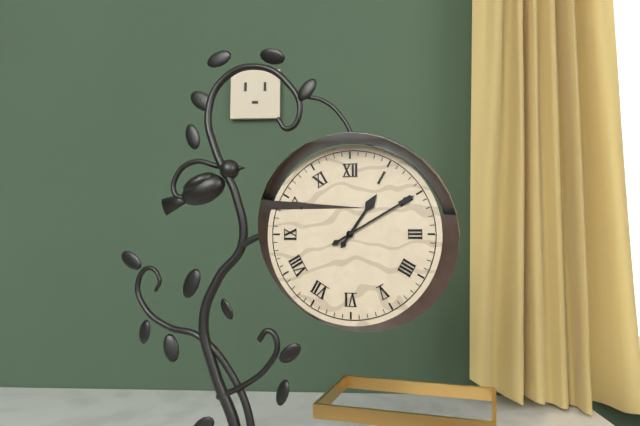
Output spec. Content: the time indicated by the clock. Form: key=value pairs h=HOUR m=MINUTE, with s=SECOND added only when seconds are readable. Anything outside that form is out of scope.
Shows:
h=1 m=10
